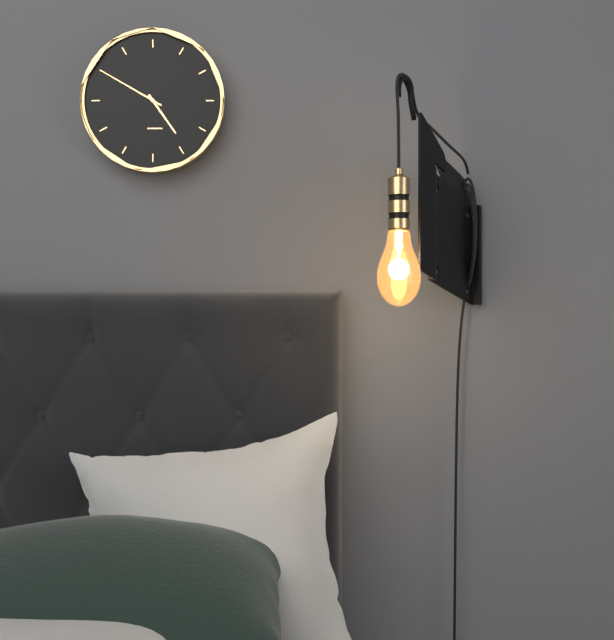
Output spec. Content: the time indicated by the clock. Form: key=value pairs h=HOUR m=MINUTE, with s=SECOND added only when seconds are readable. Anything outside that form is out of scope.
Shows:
h=4 m=50
